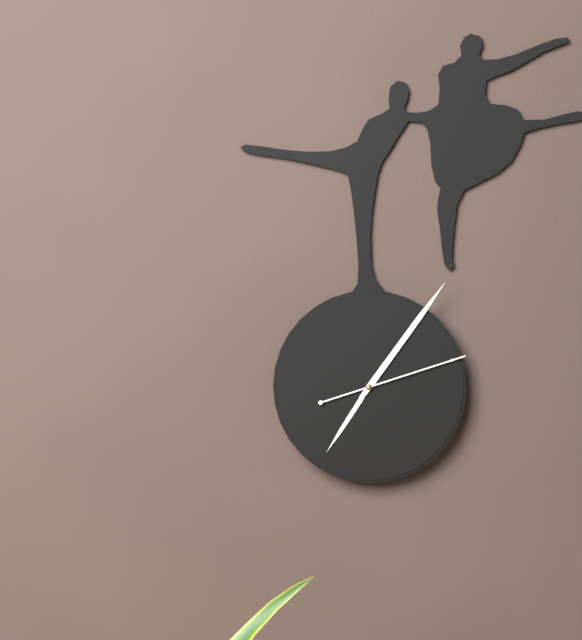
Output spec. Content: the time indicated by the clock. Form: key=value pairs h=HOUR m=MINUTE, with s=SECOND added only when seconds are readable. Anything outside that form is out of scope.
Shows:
h=7 m=6 s=12
